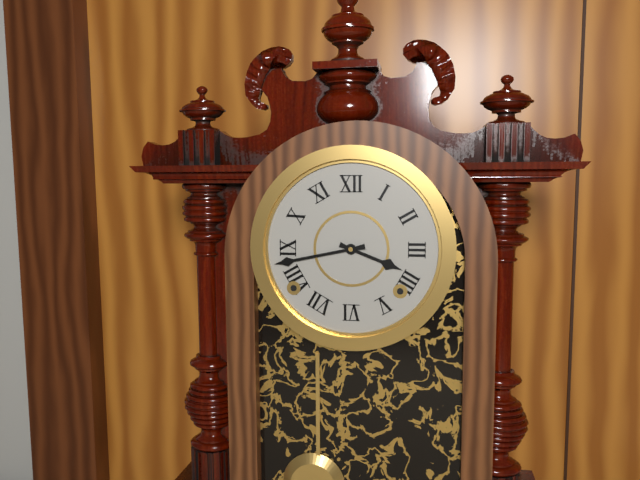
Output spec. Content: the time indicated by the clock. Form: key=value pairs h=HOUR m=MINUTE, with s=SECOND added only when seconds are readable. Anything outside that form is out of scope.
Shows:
h=3 m=43
